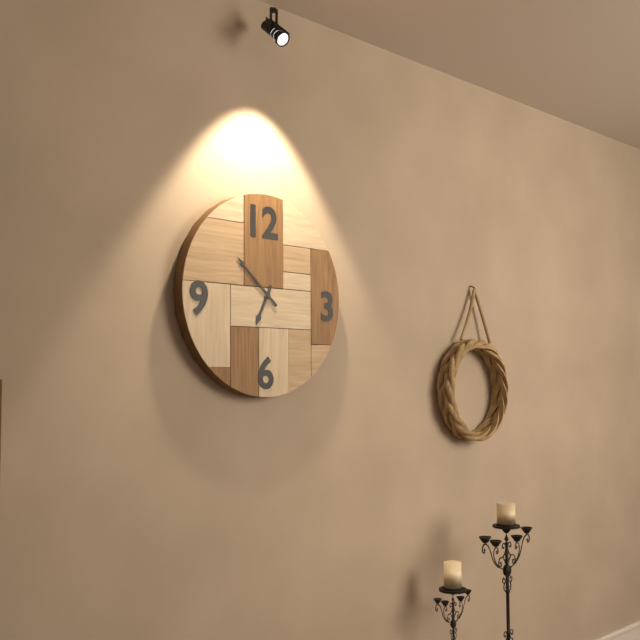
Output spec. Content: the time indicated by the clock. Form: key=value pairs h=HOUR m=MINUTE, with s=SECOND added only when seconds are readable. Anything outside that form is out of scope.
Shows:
h=6 m=52
